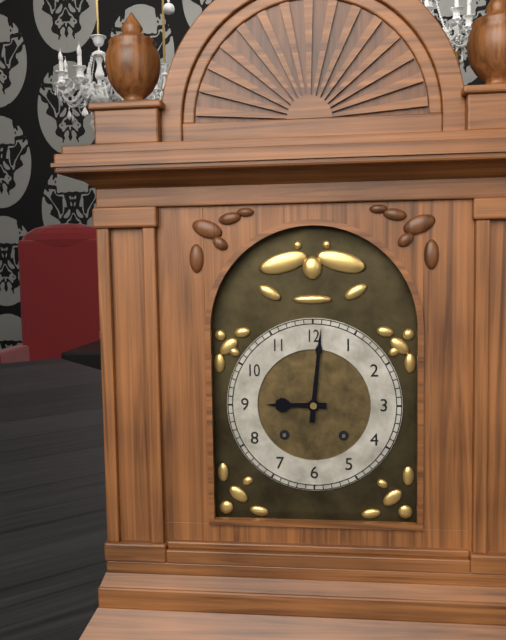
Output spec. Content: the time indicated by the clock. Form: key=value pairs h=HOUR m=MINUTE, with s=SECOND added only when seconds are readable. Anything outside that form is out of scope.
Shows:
h=9 m=1
